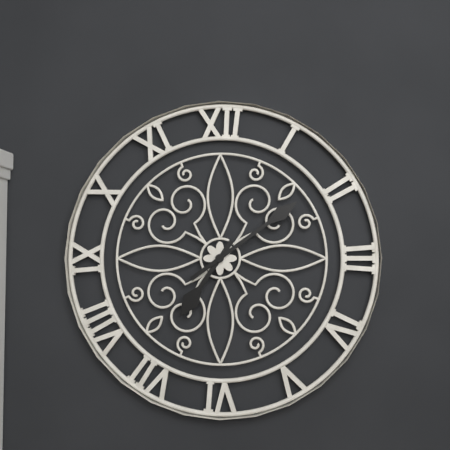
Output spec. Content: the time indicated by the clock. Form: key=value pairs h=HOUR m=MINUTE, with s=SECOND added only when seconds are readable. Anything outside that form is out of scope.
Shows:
h=7 m=9
